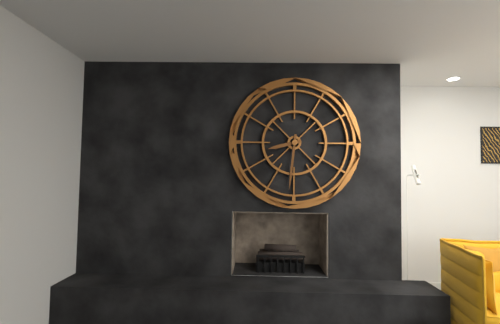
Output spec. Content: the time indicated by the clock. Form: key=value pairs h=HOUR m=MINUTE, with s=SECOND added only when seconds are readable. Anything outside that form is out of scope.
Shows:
h=8 m=31
